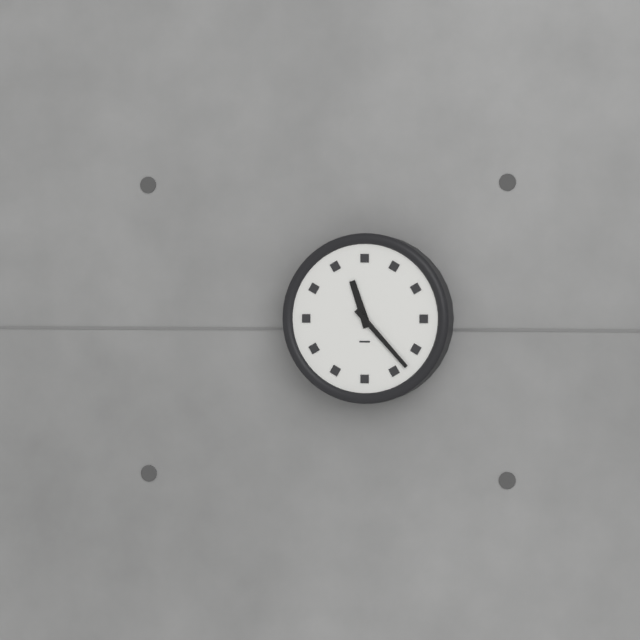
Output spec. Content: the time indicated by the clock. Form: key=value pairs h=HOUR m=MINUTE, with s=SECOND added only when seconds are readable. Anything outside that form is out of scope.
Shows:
h=11 m=23
